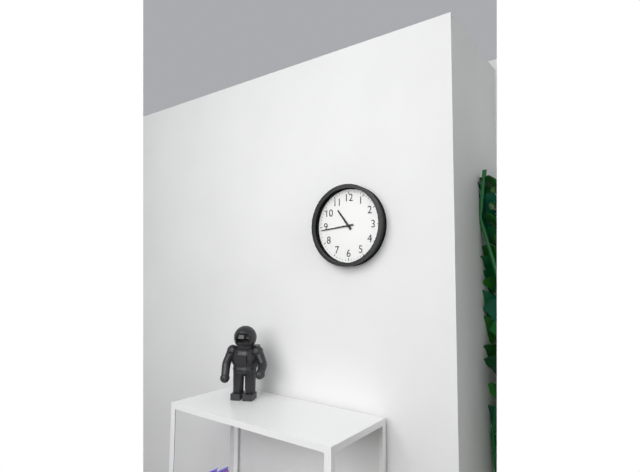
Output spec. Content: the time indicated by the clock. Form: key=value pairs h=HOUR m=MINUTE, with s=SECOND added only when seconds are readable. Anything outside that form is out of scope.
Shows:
h=10 m=44
